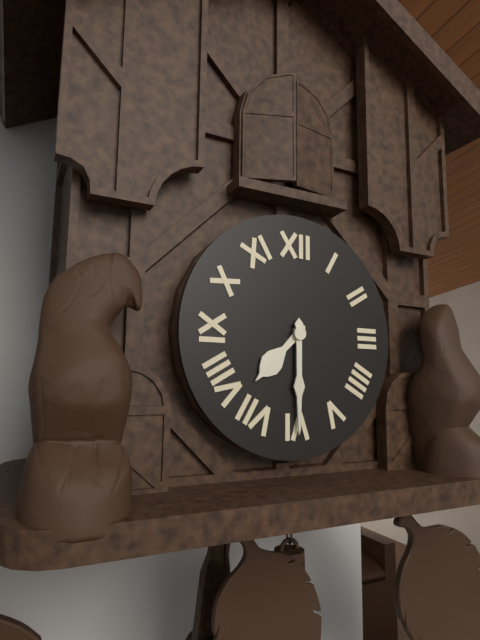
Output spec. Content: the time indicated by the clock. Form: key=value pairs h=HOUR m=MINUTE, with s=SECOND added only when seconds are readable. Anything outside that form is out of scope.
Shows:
h=7 m=30
